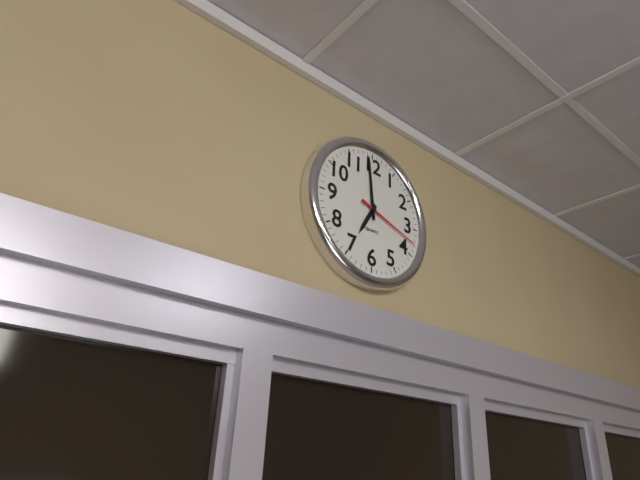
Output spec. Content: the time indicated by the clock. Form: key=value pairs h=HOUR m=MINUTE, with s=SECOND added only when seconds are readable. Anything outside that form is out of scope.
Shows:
h=6 m=59 s=18
